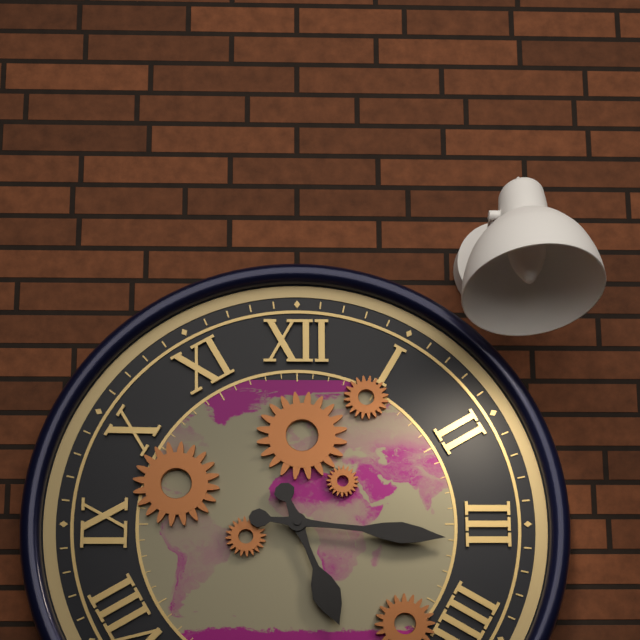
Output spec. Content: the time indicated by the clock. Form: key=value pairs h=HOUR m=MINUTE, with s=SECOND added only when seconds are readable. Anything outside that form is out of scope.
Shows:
h=5 m=16
